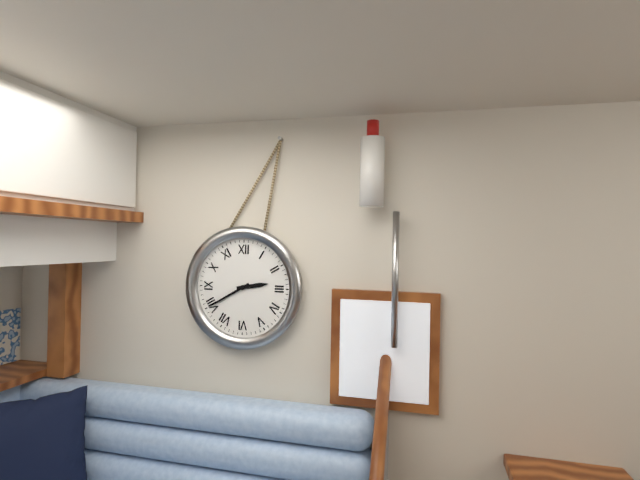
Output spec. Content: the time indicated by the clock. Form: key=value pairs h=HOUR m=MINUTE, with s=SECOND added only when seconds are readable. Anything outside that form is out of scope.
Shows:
h=2 m=40
